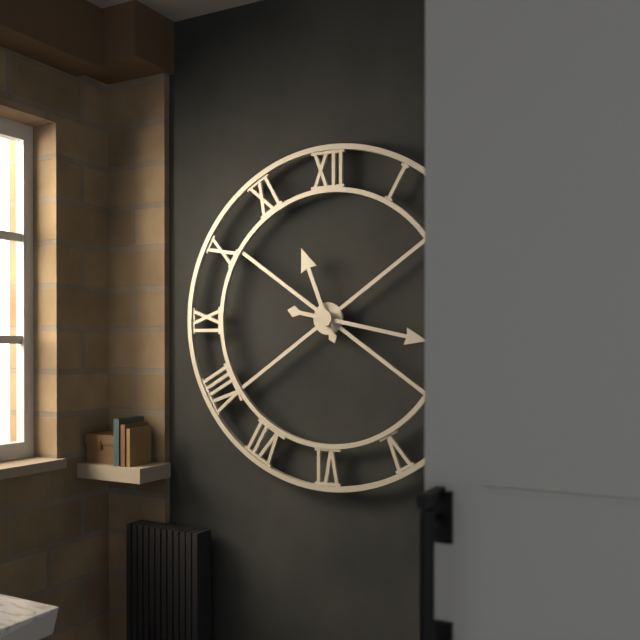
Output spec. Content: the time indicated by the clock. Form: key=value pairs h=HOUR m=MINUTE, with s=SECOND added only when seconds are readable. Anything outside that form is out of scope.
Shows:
h=11 m=17
